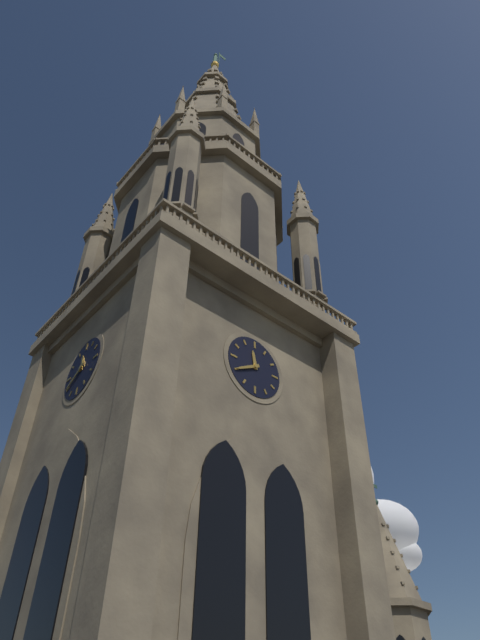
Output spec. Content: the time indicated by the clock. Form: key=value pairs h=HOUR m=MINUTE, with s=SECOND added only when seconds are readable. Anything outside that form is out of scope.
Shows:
h=11 m=40
